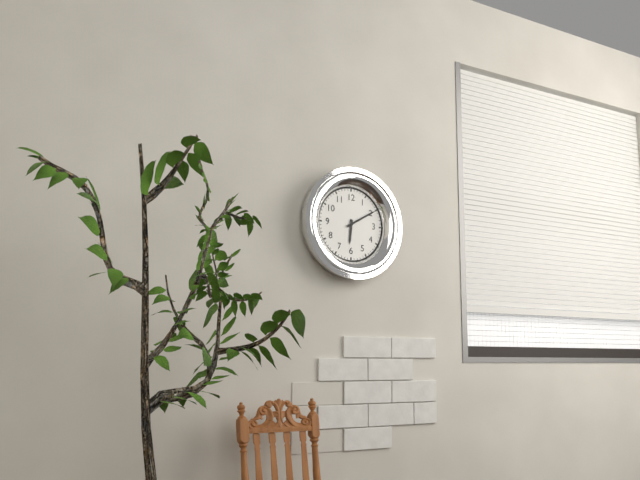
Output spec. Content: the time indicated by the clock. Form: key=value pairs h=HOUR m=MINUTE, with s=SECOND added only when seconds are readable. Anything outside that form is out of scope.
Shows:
h=6 m=10
